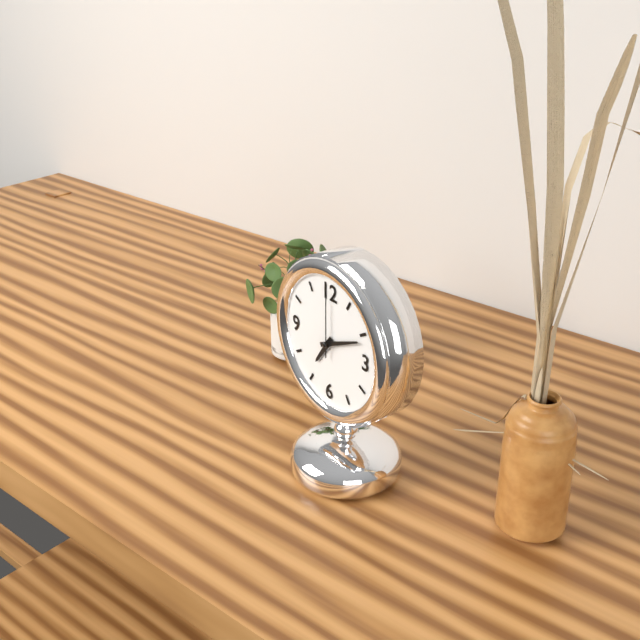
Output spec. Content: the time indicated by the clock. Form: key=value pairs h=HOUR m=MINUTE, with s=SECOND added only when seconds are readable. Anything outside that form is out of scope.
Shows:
h=7 m=11 s=0
